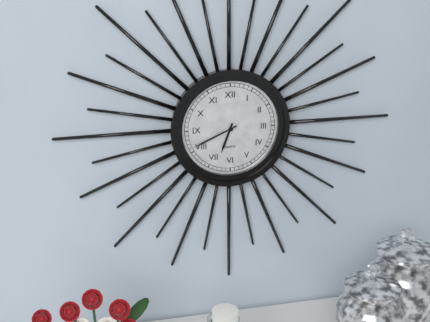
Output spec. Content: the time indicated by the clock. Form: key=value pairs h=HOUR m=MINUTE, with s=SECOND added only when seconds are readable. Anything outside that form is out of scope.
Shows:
h=6 m=41
